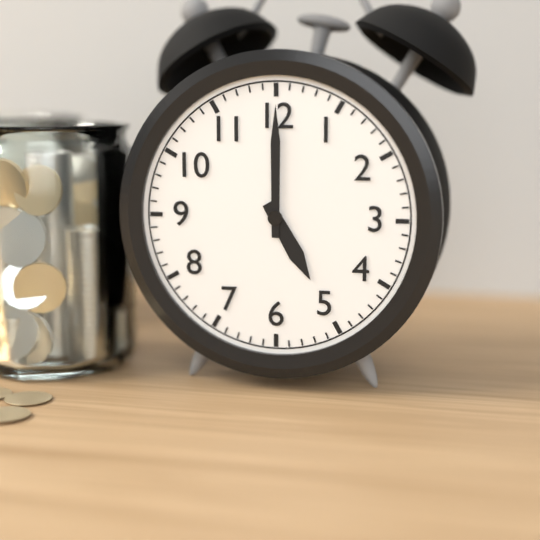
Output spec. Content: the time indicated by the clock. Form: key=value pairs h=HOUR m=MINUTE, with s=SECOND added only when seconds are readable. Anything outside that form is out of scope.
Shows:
h=5 m=0
